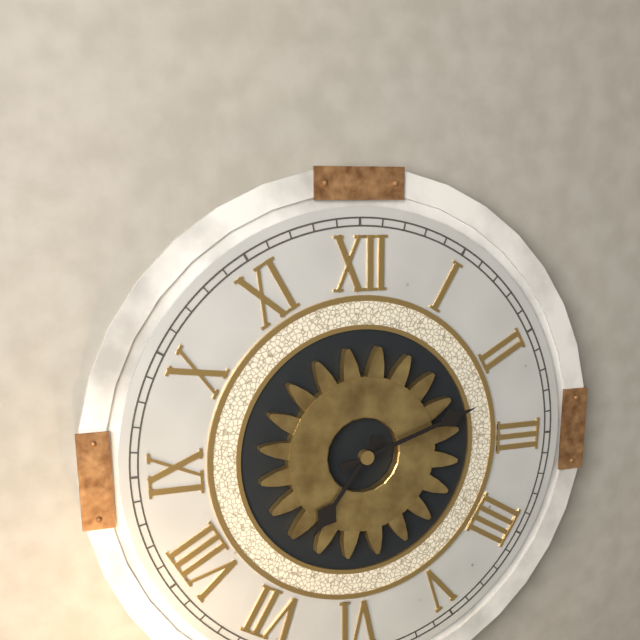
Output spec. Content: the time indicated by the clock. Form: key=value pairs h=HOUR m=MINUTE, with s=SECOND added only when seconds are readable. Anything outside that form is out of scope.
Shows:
h=7 m=12
